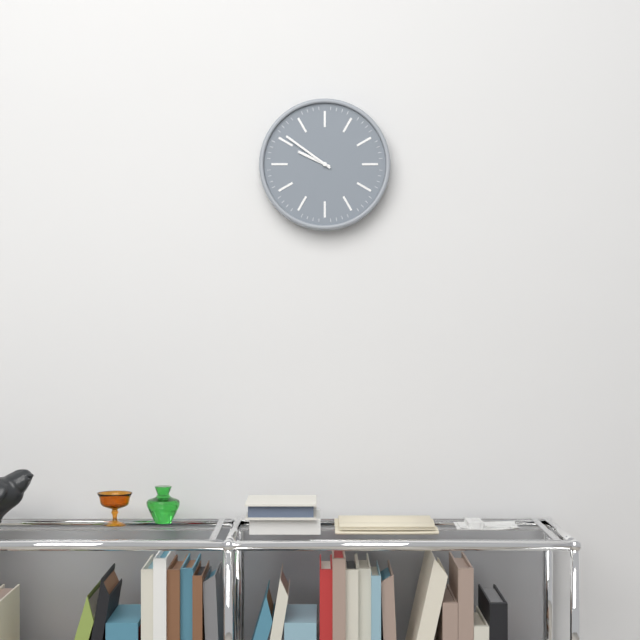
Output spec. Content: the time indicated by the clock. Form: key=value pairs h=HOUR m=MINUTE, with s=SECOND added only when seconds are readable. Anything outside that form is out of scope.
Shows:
h=9 m=51
